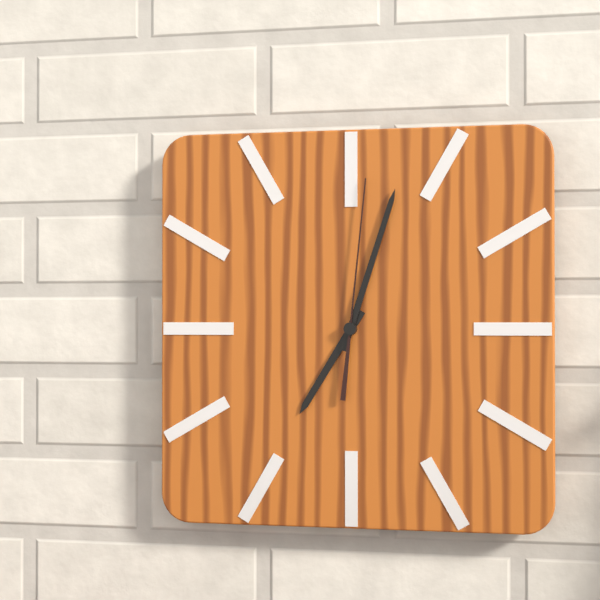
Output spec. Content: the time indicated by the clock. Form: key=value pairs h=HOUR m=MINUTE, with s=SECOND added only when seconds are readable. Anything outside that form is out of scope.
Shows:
h=7 m=3 s=1
